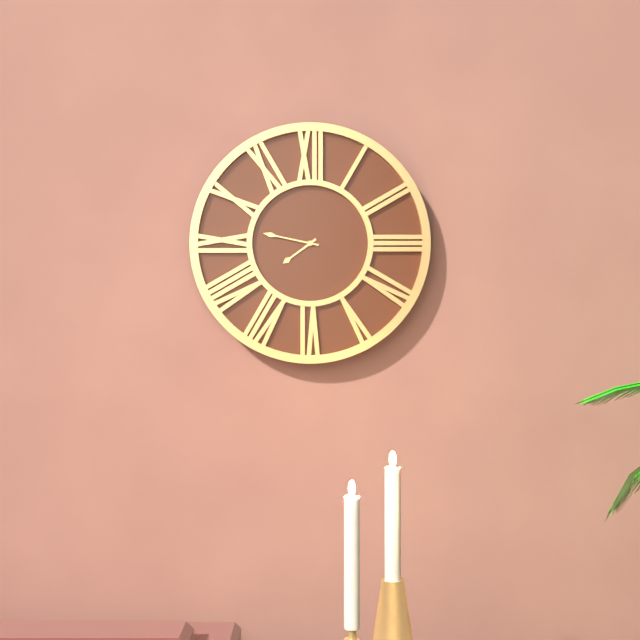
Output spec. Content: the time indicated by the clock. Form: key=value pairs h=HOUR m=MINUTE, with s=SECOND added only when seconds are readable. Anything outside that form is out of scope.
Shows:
h=7 m=47
